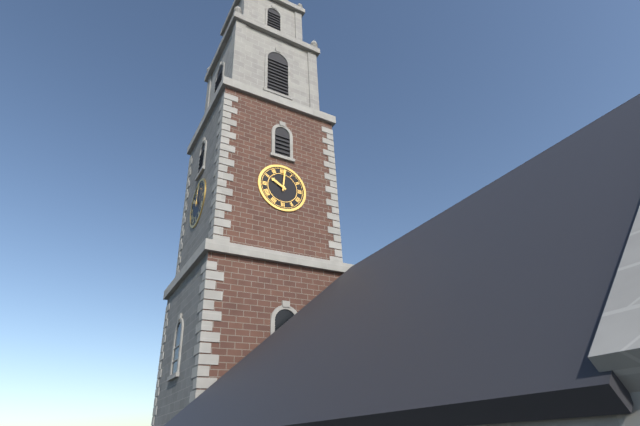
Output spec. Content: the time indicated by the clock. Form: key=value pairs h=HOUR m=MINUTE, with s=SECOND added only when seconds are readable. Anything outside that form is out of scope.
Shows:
h=10 m=1
